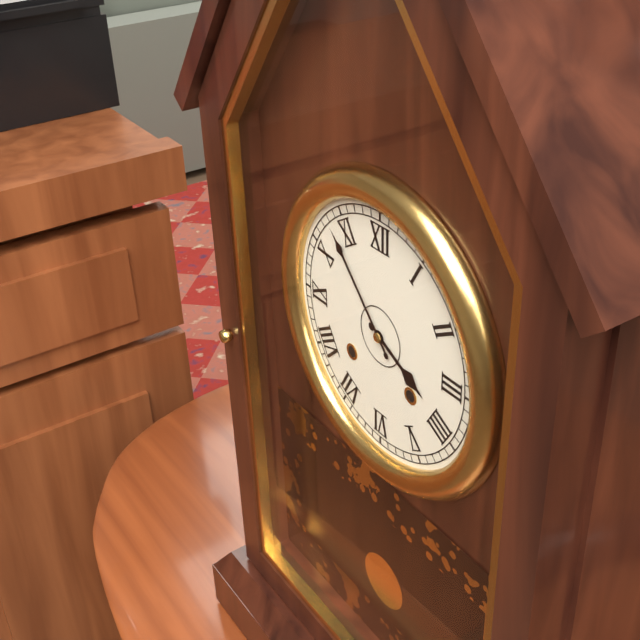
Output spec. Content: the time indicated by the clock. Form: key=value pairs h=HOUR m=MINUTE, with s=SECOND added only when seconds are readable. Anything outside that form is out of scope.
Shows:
h=3 m=53
